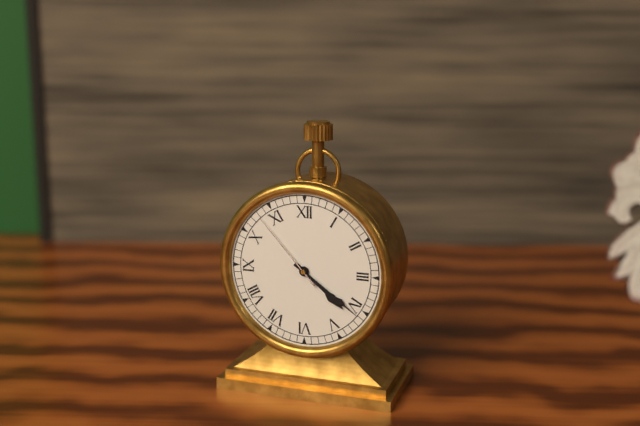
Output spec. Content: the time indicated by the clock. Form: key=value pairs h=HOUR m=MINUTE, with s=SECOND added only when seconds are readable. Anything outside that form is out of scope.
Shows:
h=4 m=21 s=53
